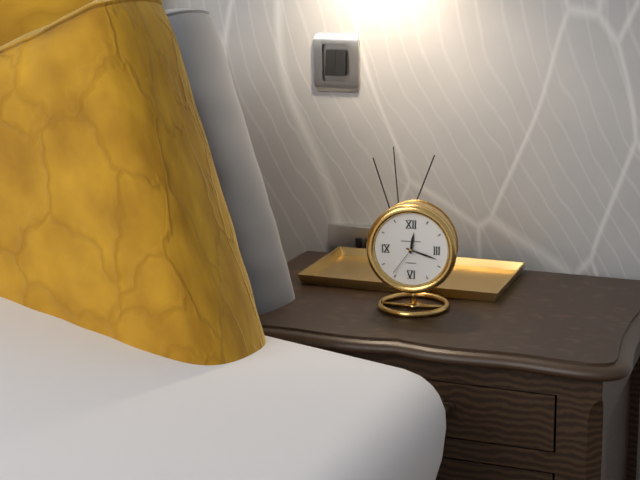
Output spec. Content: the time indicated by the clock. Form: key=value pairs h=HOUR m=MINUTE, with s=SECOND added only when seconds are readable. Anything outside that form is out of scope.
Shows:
h=12 m=18
